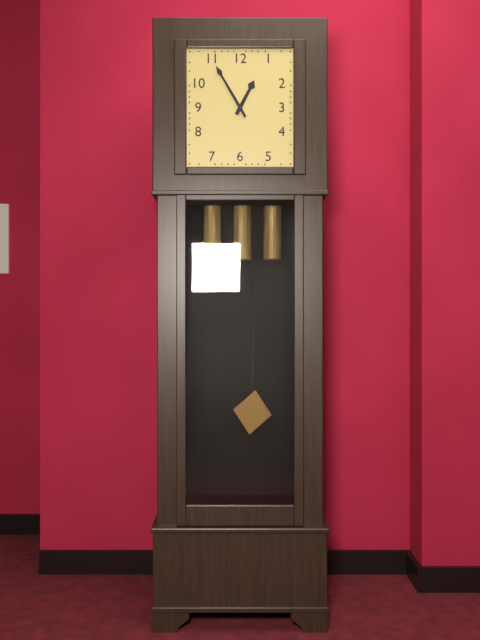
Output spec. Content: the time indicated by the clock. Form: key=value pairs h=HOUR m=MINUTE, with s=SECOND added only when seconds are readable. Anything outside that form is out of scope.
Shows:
h=12 m=55
